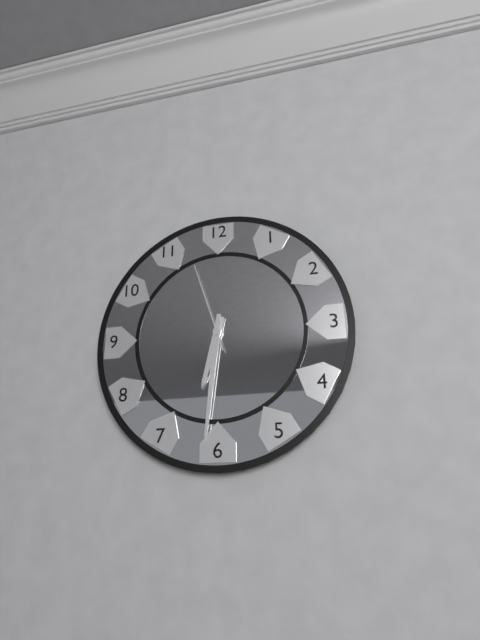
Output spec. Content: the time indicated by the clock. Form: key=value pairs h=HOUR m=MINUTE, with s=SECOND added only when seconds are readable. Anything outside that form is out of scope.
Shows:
h=6 m=31 s=57
